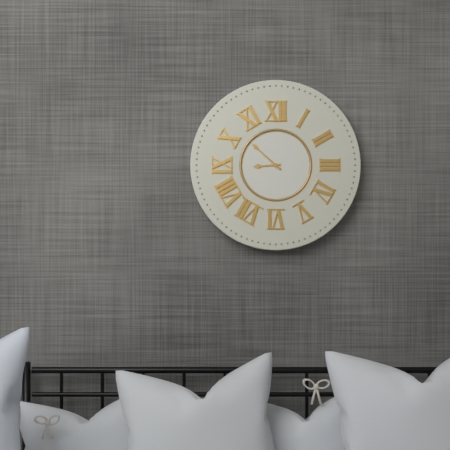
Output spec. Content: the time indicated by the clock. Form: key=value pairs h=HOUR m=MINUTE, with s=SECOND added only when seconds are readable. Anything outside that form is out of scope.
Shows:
h=8 m=52
